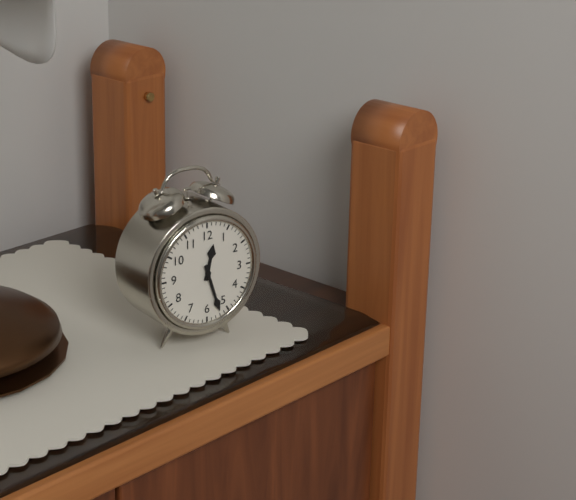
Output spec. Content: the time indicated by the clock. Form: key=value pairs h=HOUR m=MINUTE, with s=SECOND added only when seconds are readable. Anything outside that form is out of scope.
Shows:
h=12 m=27
